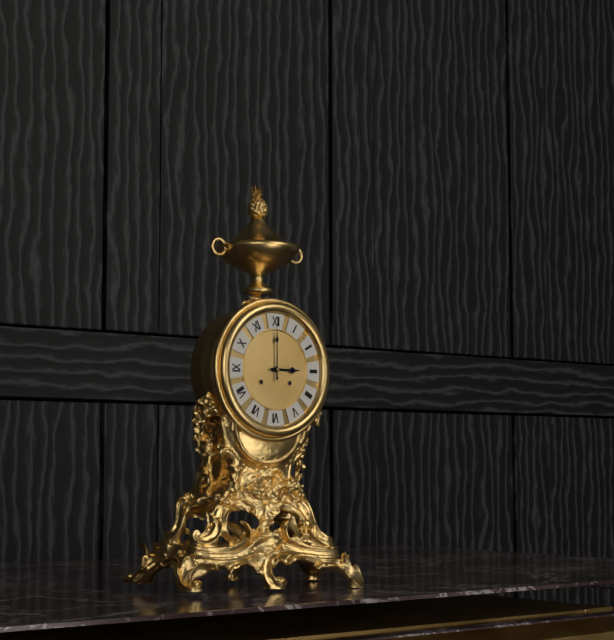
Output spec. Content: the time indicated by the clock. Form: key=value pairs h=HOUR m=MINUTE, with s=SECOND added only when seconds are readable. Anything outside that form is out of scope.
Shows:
h=3 m=0
